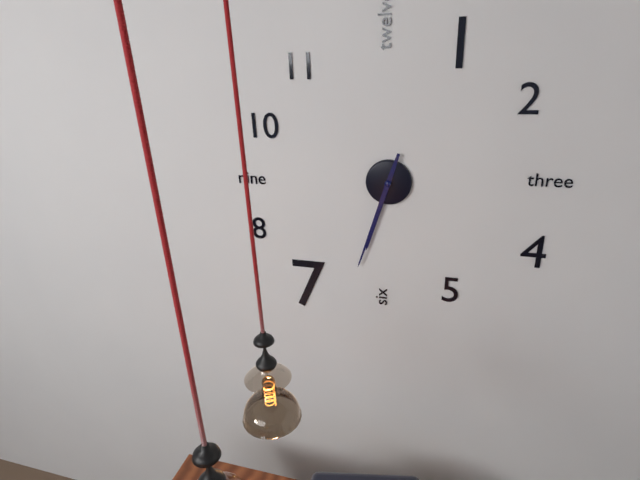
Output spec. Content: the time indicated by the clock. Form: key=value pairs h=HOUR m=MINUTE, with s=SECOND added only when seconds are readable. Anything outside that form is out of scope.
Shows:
h=6 m=33
